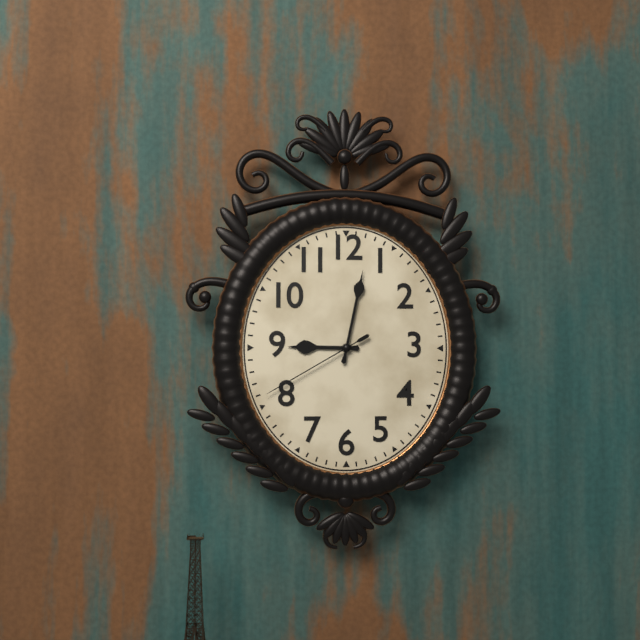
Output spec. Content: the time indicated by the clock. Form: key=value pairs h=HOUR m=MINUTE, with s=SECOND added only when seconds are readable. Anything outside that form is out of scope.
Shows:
h=9 m=2 s=40
